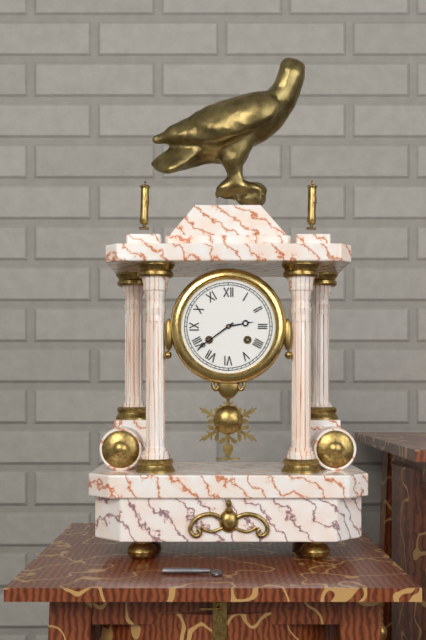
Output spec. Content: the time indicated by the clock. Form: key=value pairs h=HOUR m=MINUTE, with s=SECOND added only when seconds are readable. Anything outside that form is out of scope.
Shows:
h=2 m=39
